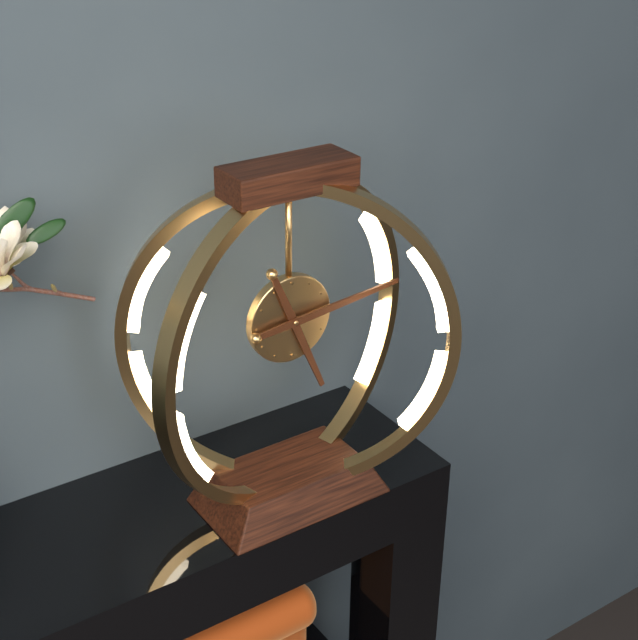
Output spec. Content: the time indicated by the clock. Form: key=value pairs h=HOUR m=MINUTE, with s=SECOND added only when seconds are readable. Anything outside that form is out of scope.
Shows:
h=5 m=14
